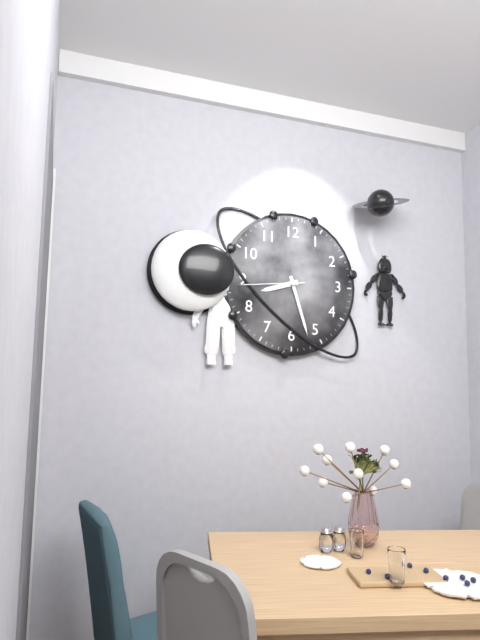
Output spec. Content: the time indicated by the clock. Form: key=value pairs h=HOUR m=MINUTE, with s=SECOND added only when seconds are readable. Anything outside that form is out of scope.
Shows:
h=8 m=27 s=44
